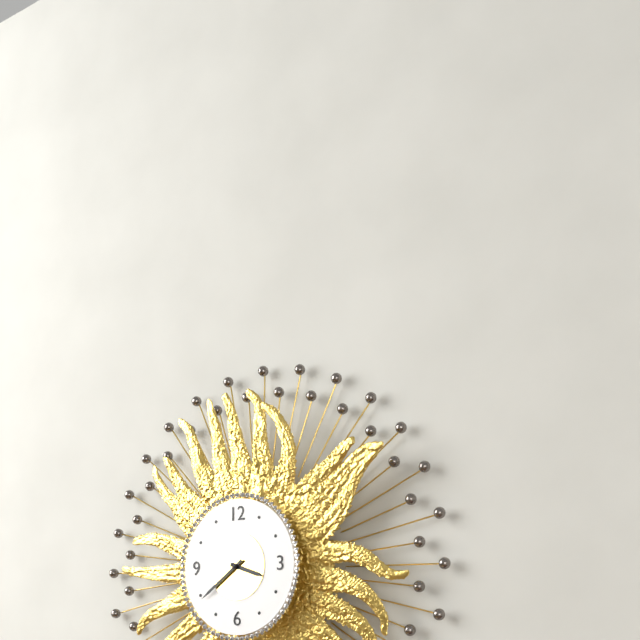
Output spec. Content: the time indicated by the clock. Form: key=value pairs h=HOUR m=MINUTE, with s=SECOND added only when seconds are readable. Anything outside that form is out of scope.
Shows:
h=3 m=39
